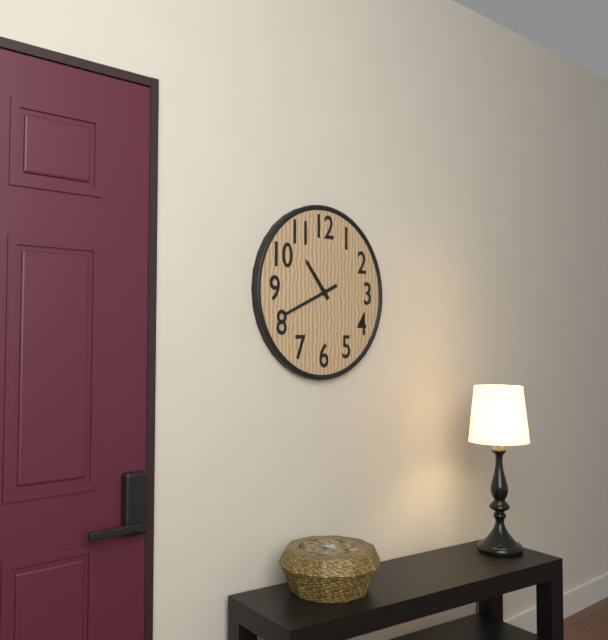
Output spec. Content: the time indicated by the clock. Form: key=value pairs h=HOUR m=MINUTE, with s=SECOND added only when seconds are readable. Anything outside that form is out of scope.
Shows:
h=10 m=41
